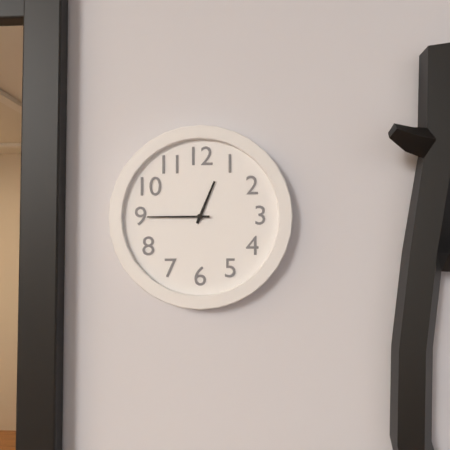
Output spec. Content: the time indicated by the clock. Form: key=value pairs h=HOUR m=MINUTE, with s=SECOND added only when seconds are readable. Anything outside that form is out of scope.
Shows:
h=12 m=45
